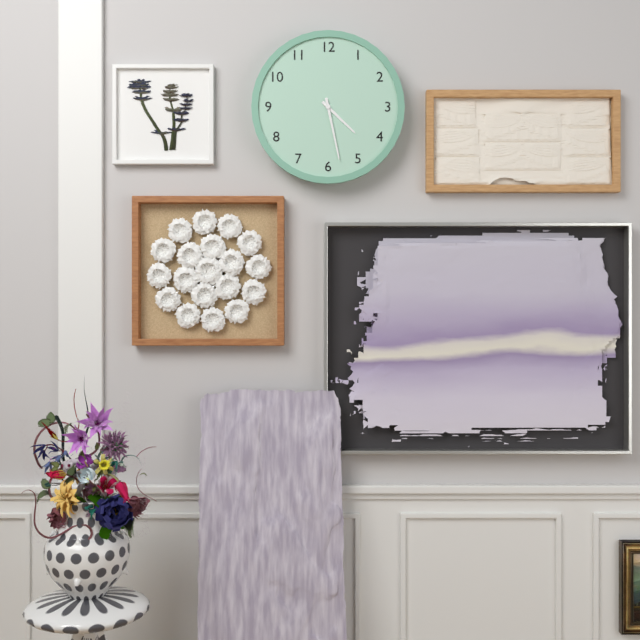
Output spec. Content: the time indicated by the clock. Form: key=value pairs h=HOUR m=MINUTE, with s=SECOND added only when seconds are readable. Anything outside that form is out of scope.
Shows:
h=4 m=28
